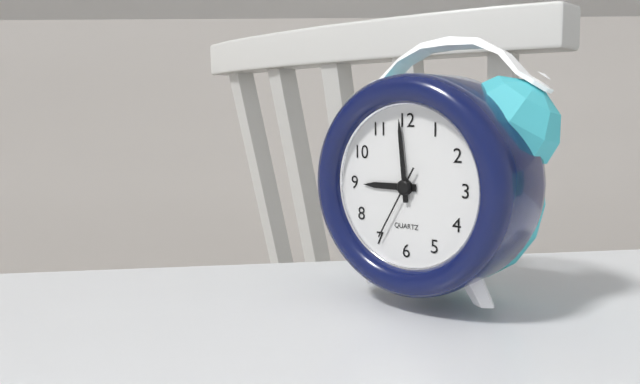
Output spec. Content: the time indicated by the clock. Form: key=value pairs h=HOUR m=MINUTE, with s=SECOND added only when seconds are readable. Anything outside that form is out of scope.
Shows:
h=8 m=59 s=35
